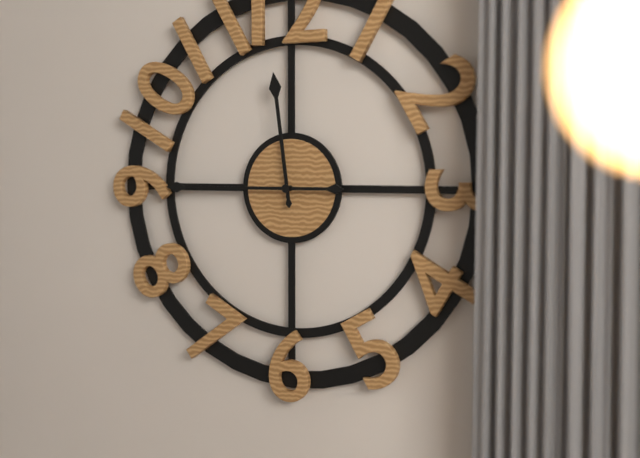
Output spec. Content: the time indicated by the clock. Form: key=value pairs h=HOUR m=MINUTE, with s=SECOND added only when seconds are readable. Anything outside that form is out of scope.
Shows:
h=11 m=45
